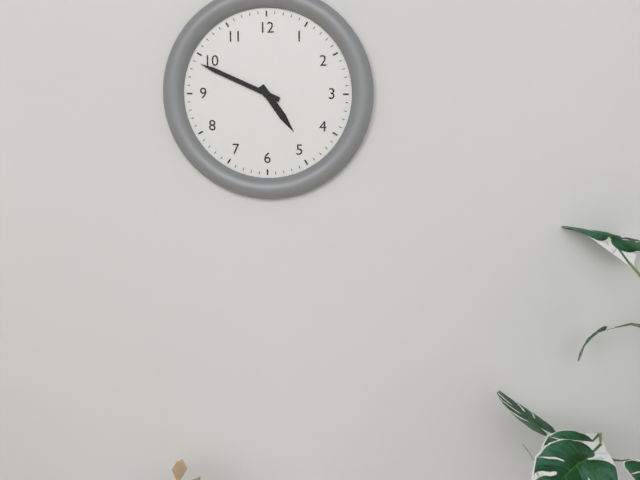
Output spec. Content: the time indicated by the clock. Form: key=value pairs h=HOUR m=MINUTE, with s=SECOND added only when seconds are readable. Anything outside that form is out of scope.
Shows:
h=4 m=49
